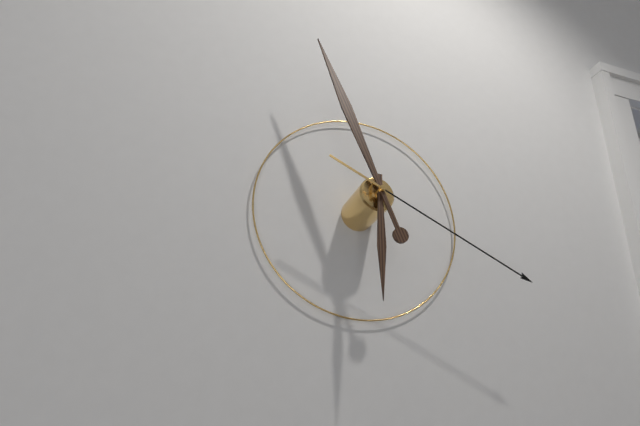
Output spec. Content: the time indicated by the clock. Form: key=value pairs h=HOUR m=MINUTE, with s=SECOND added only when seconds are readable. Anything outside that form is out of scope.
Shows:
h=5 m=56 s=19
